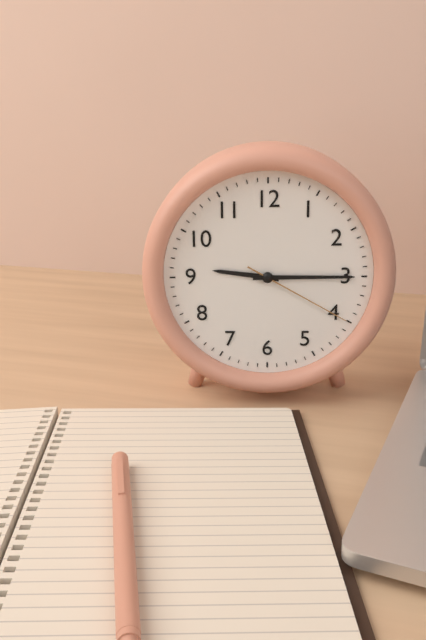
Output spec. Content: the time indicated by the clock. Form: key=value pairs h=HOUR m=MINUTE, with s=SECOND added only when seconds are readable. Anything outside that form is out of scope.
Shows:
h=9 m=15 s=20
